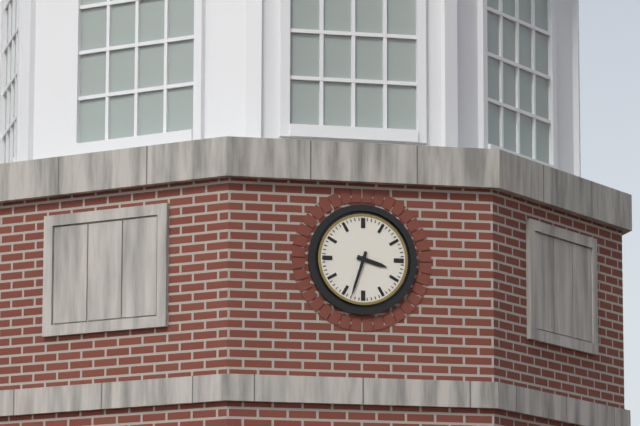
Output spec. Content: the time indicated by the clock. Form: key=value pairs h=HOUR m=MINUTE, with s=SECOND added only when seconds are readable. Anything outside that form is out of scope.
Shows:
h=3 m=33
